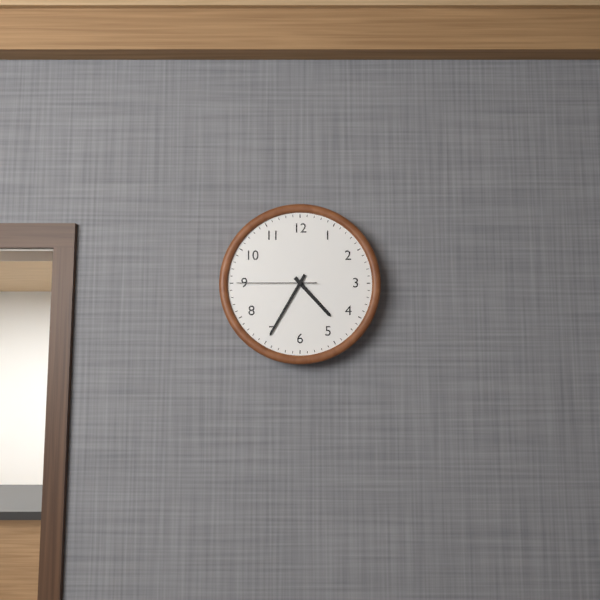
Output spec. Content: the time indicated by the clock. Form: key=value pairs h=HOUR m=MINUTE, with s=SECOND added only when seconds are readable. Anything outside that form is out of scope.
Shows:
h=4 m=35 s=45
